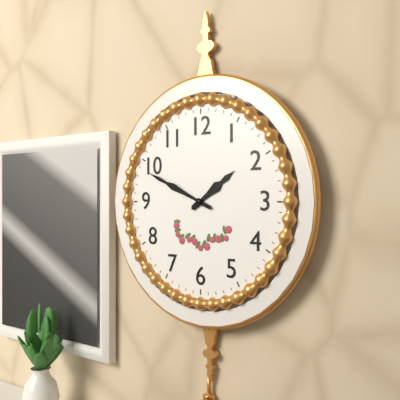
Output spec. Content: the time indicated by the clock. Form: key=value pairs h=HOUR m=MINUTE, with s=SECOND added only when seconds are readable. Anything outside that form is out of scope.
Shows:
h=1 m=49
